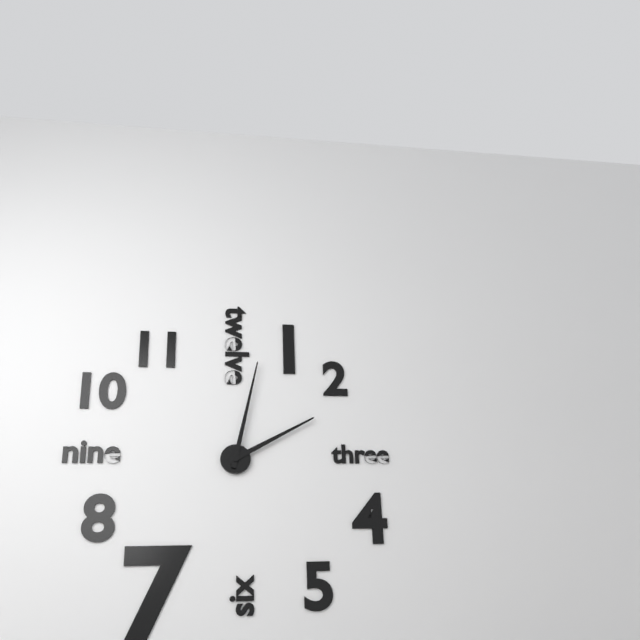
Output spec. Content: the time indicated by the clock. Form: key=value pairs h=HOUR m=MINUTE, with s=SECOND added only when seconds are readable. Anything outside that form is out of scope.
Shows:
h=2 m=2
